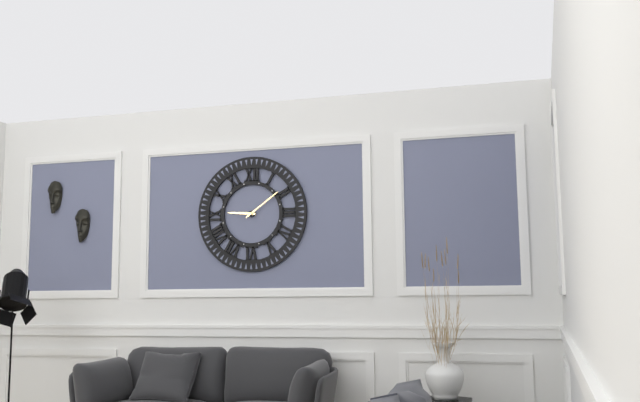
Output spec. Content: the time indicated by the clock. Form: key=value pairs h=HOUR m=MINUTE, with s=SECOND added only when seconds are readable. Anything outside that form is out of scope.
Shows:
h=9 m=9
